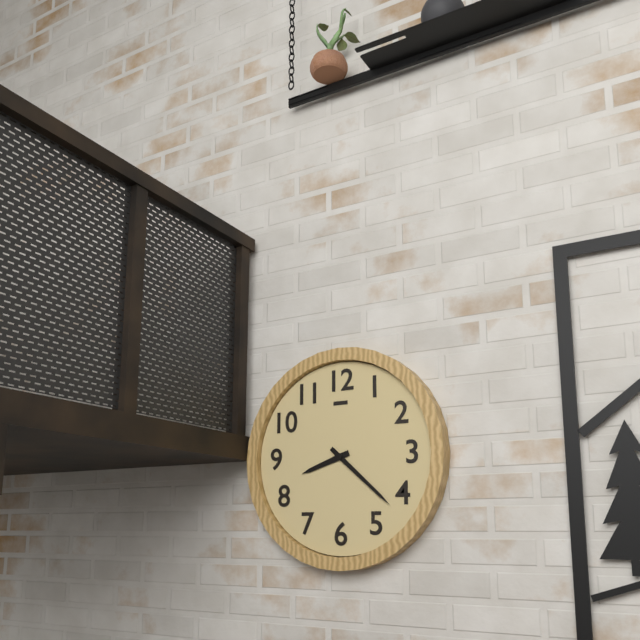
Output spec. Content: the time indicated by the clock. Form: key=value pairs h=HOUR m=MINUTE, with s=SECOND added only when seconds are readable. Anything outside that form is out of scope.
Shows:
h=8 m=22
